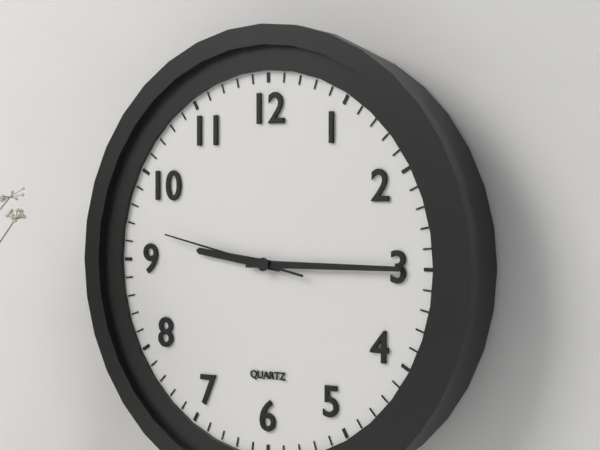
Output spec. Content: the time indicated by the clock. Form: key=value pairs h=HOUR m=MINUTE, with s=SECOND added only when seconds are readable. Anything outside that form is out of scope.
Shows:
h=9 m=15 s=47
